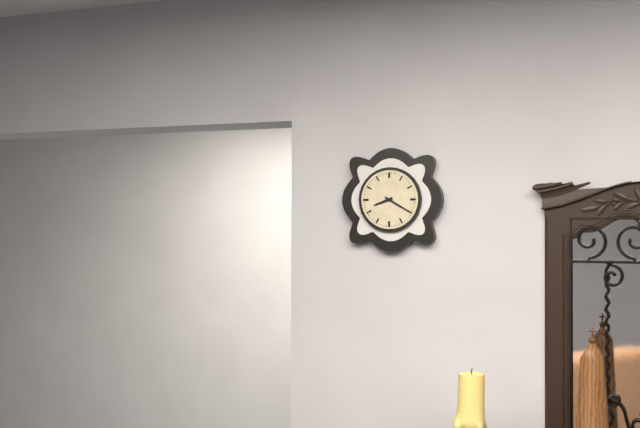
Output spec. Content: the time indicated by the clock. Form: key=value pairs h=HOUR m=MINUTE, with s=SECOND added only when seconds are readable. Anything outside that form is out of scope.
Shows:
h=8 m=20
